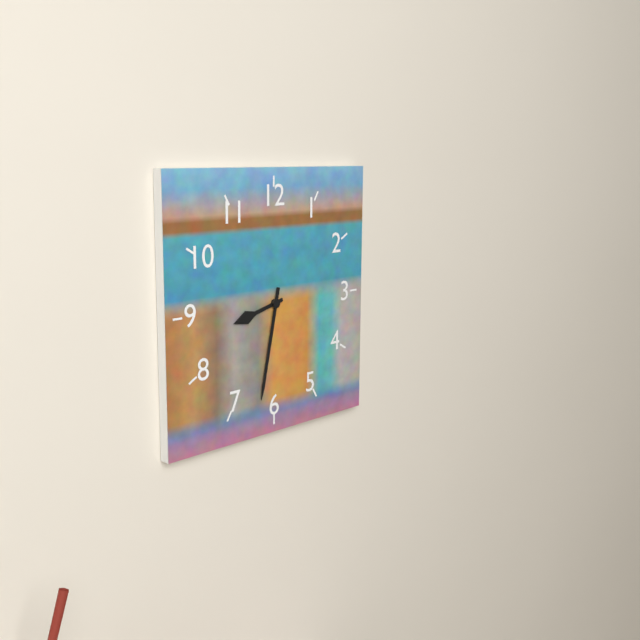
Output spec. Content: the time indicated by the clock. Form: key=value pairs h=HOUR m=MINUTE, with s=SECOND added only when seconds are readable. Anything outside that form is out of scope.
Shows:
h=8 m=32
